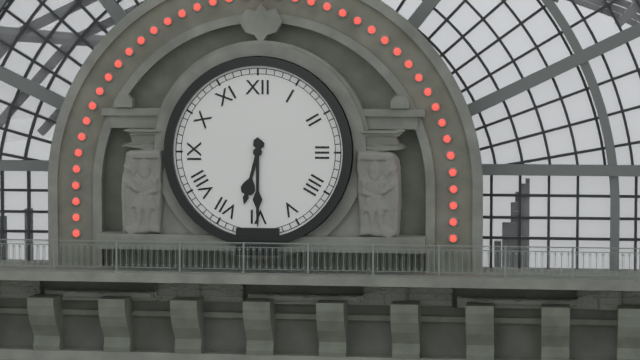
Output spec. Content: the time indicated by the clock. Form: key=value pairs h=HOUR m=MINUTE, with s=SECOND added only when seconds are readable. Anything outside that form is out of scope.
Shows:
h=6 m=30
